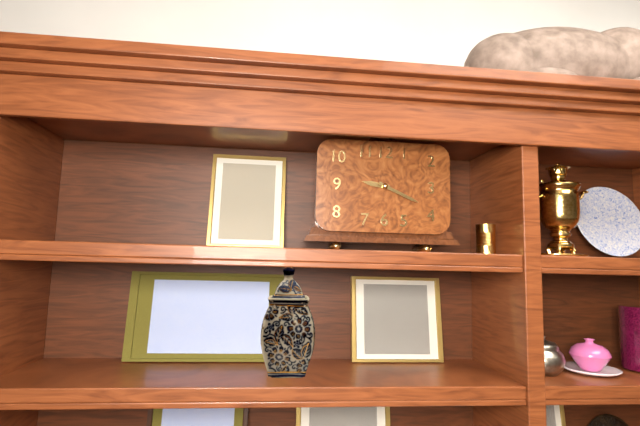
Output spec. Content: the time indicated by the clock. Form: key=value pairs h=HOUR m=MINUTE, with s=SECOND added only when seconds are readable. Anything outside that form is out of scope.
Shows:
h=9 m=19
